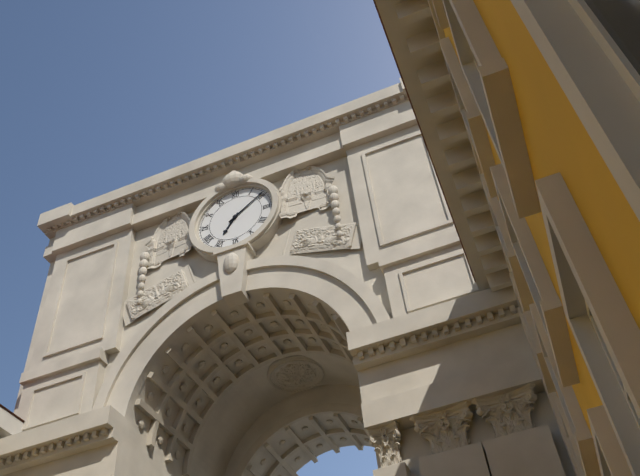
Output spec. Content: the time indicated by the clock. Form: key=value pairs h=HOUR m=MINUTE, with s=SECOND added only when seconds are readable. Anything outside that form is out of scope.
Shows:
h=7 m=9
